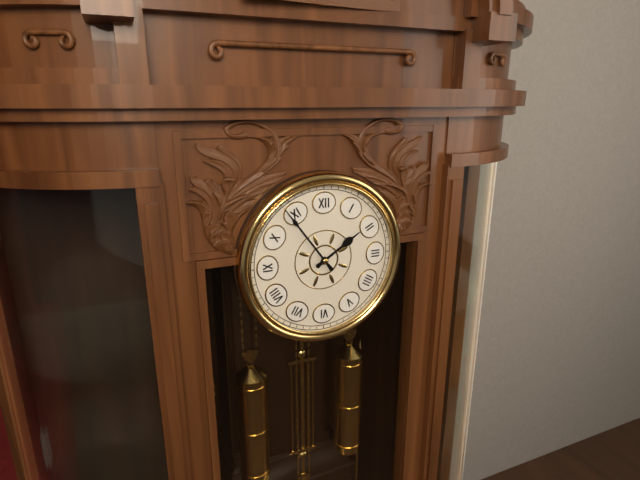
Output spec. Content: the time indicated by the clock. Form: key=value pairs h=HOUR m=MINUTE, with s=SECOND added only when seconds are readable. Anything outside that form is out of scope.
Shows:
h=1 m=54
